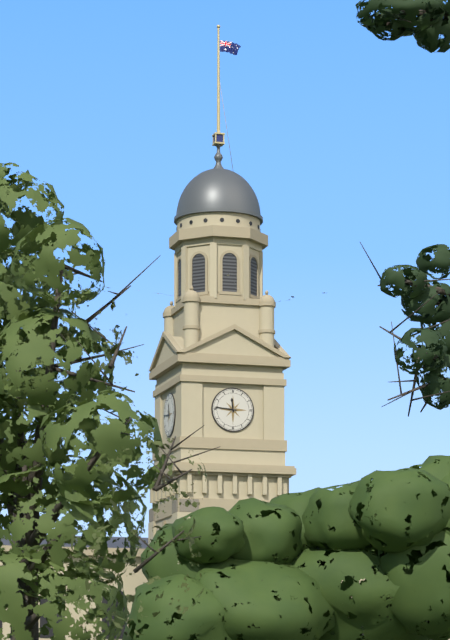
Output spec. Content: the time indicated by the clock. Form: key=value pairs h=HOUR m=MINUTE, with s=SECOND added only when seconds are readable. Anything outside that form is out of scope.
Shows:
h=11 m=46
